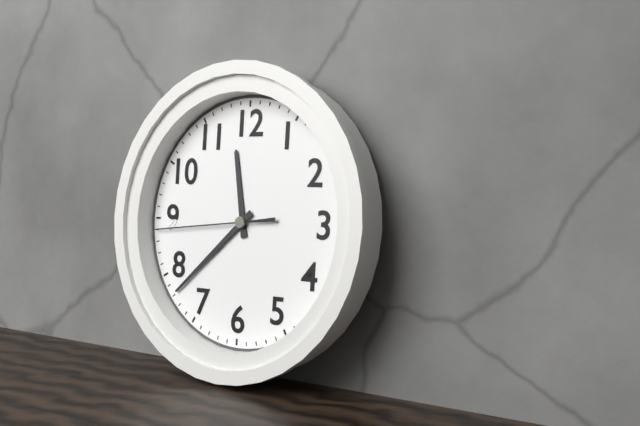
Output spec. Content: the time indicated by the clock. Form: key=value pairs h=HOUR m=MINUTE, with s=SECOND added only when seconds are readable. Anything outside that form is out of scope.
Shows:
h=11 m=38 s=44
